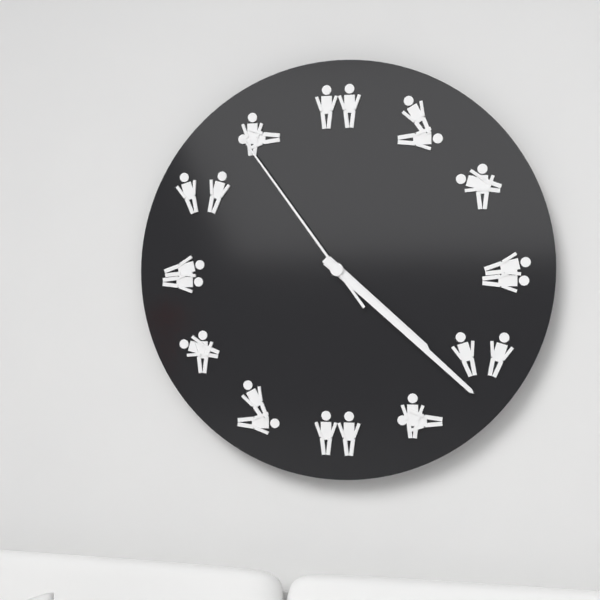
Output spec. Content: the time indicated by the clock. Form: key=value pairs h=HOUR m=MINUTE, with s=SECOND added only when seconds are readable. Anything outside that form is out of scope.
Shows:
h=4 m=22 s=54
